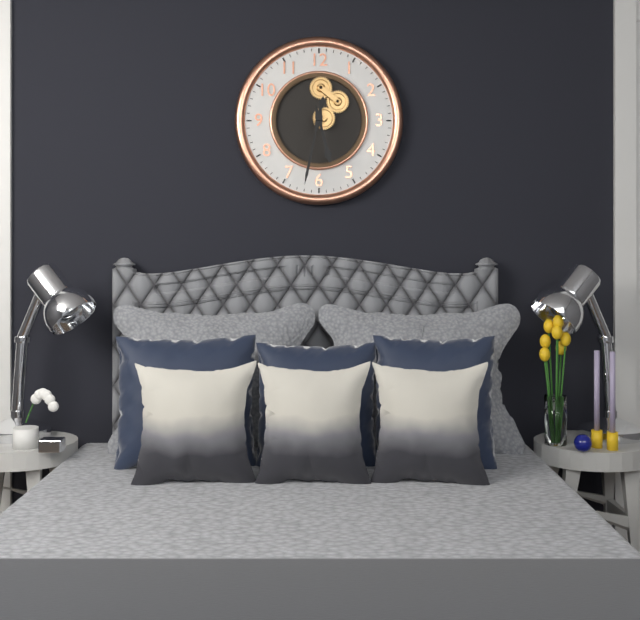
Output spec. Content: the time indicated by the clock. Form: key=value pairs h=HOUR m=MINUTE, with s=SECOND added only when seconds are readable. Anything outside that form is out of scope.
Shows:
h=5 m=32
